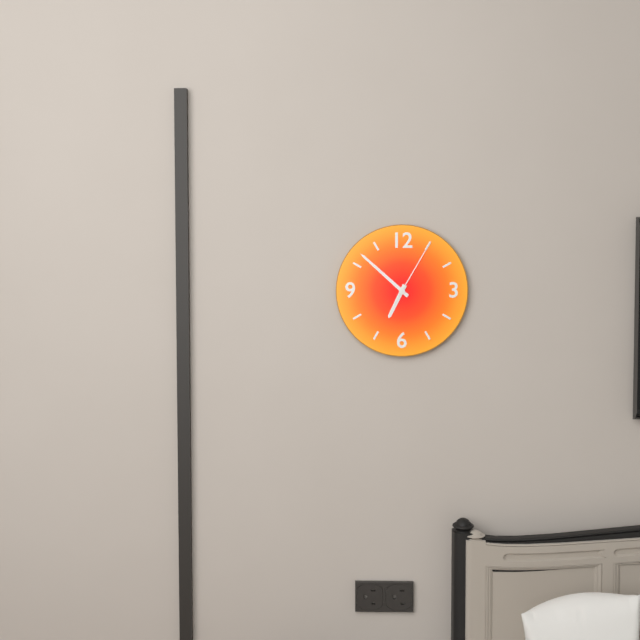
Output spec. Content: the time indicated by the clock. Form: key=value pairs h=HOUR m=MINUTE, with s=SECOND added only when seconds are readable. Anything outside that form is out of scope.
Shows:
h=6 m=52 s=5
